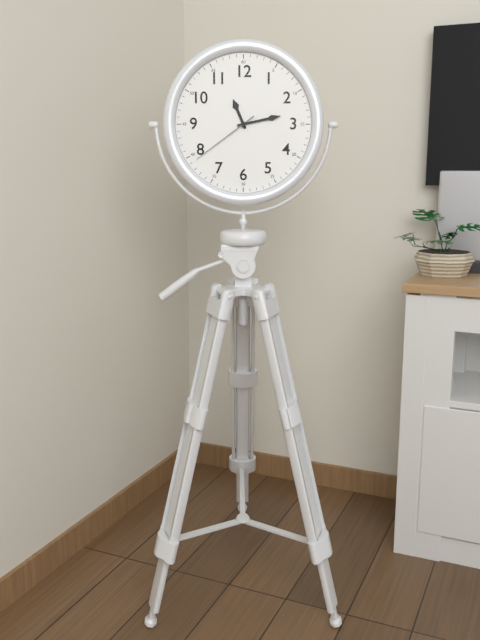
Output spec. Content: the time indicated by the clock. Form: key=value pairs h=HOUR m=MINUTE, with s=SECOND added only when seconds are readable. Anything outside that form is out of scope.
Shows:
h=11 m=13 s=39
